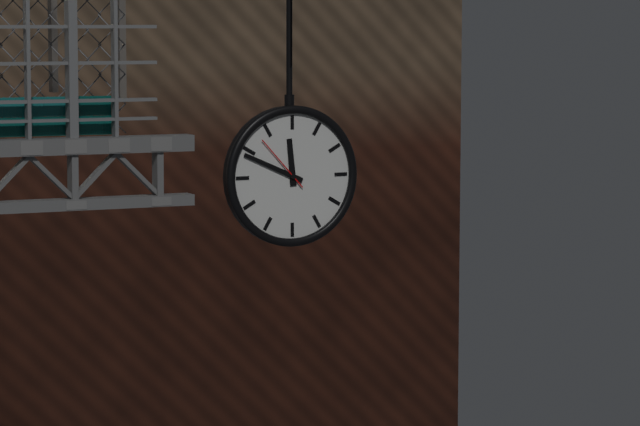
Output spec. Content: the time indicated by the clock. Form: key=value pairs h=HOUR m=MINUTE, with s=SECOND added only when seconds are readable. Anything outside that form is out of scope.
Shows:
h=11 m=49 s=53
